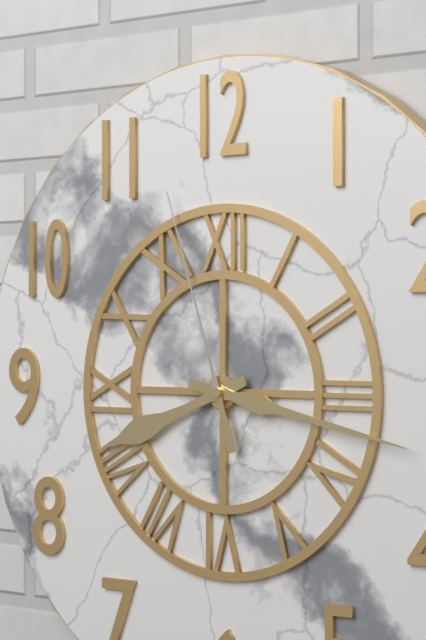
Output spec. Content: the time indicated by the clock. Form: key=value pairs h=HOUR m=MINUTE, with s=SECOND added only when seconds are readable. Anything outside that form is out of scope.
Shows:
h=8 m=17 s=57
